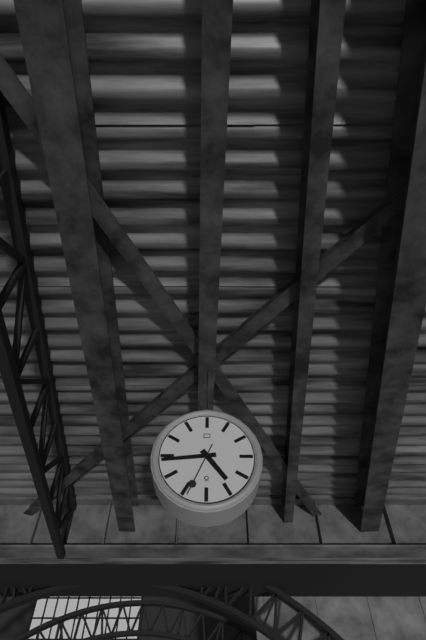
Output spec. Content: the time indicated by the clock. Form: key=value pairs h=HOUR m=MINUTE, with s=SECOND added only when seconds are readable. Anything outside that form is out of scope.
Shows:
h=4 m=44 s=34
